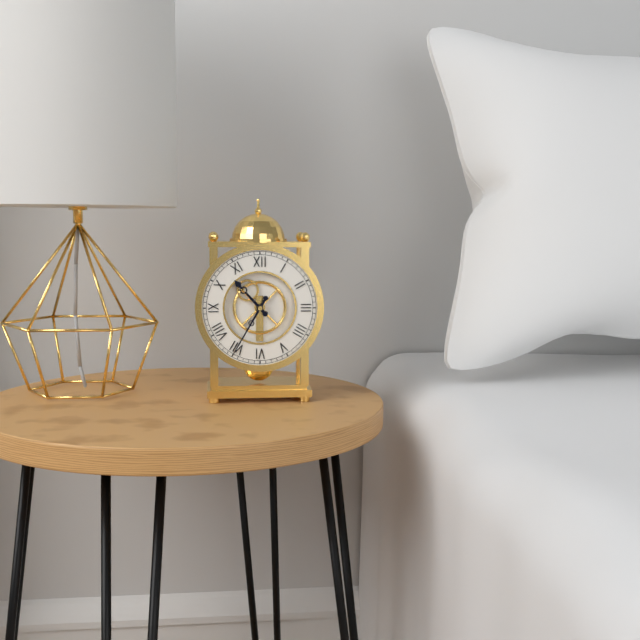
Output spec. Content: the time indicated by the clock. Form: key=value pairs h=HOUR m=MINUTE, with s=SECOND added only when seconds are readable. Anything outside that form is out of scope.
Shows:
h=10 m=35
